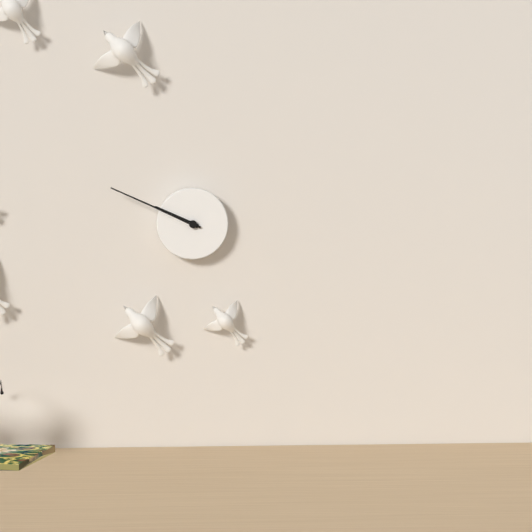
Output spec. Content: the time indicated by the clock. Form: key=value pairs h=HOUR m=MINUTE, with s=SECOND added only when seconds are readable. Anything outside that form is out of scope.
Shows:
h=9 m=49
